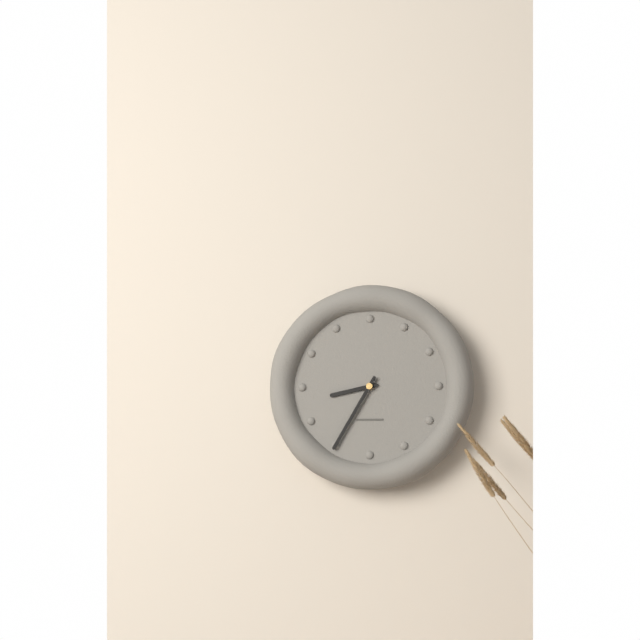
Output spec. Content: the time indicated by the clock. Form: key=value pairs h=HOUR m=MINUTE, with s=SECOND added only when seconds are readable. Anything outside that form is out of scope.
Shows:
h=8 m=35
